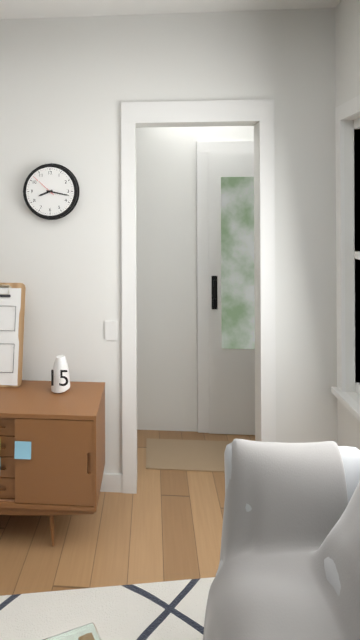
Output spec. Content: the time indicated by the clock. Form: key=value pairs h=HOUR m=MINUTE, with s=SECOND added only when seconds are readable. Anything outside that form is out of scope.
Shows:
h=8 m=17
